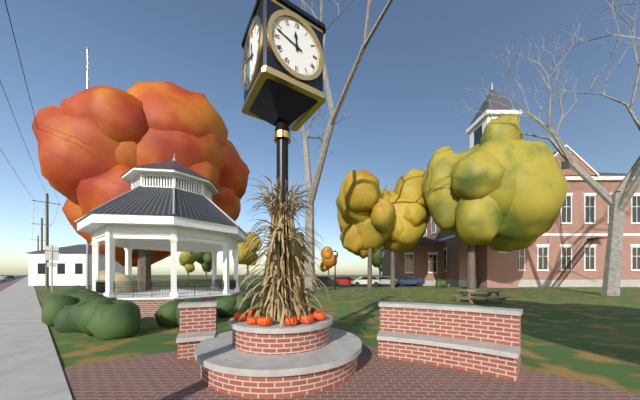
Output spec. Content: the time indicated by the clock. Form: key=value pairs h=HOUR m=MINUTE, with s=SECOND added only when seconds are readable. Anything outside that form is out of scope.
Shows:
h=11 m=48
